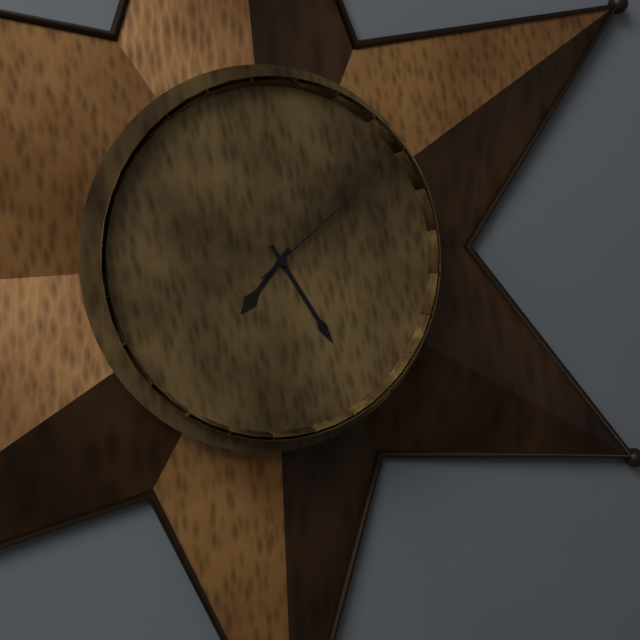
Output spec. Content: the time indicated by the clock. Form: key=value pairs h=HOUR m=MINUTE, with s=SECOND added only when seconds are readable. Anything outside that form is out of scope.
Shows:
h=7 m=25 s=9
